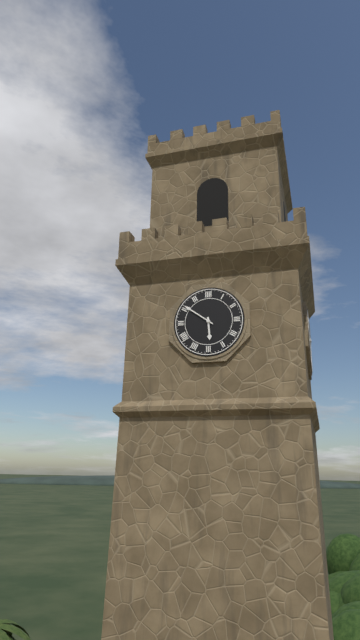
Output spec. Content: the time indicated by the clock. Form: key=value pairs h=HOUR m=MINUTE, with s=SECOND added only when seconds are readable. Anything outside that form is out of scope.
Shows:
h=5 m=51
